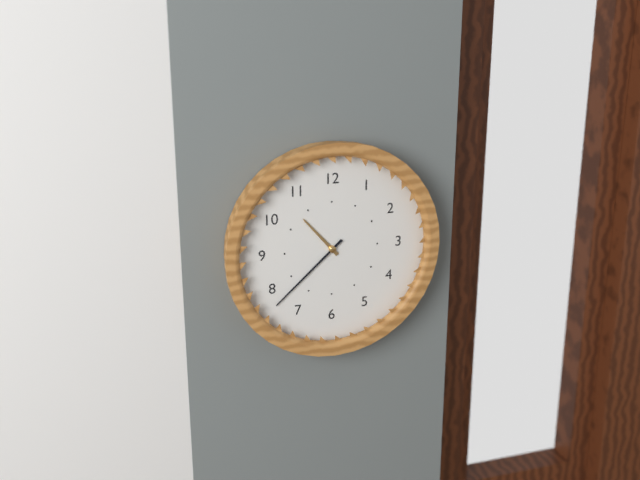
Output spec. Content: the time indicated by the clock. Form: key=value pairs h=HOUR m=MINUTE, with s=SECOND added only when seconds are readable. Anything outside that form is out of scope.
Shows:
h=10 m=38
